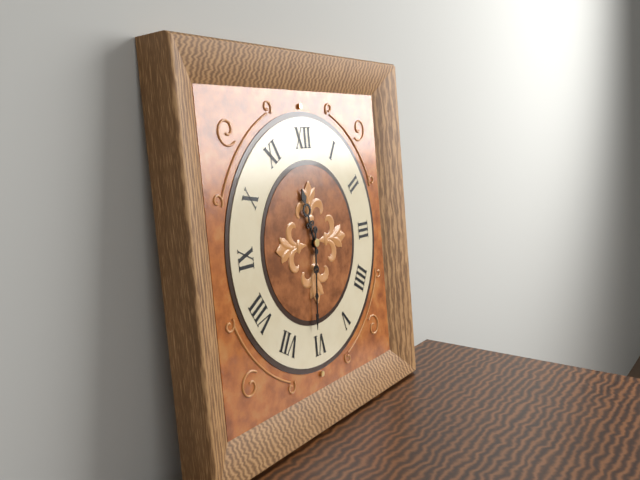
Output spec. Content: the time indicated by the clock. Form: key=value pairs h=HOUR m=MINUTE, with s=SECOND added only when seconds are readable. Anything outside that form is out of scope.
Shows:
h=11 m=31
